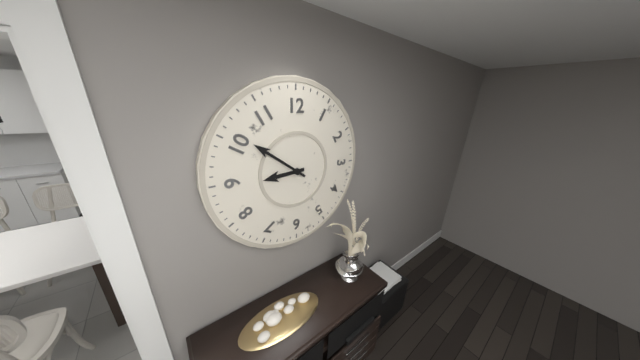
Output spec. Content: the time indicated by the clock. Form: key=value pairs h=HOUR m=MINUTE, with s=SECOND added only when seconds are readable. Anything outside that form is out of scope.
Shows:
h=8 m=51
